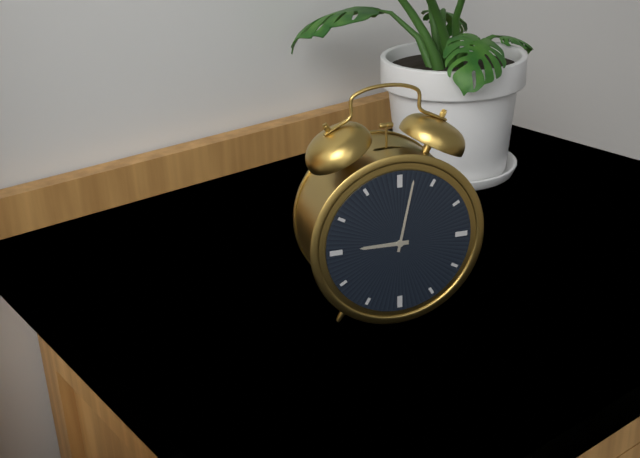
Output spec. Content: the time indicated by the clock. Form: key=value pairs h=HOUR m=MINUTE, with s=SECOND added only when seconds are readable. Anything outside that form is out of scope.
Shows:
h=9 m=2
